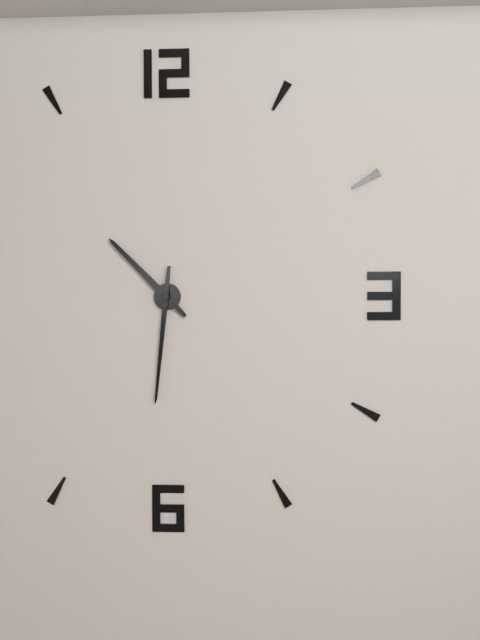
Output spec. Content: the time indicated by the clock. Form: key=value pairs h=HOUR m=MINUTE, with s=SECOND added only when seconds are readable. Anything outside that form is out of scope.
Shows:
h=10 m=31
